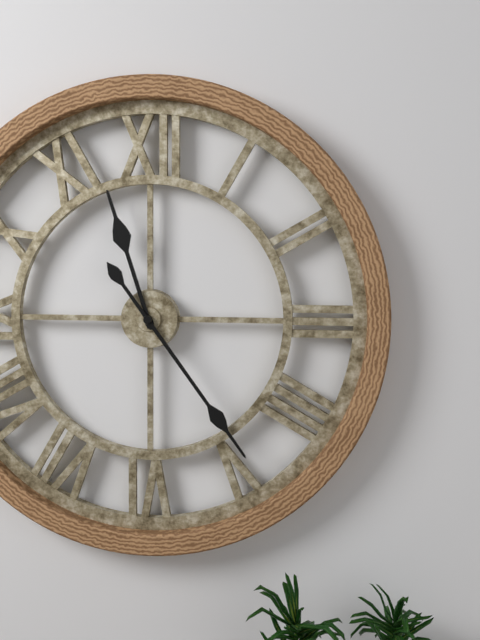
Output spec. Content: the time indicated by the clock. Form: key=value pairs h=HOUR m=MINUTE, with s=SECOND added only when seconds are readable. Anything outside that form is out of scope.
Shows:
h=11 m=24
